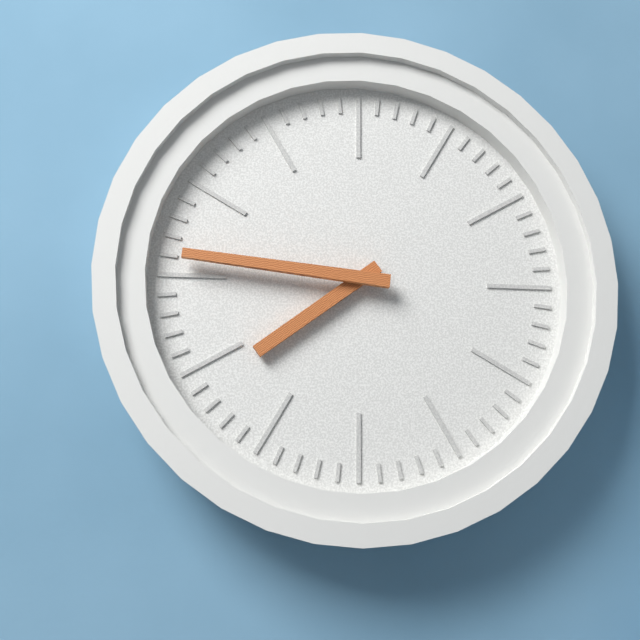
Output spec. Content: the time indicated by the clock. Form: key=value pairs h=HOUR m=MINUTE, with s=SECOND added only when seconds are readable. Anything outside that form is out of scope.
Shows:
h=7 m=46
